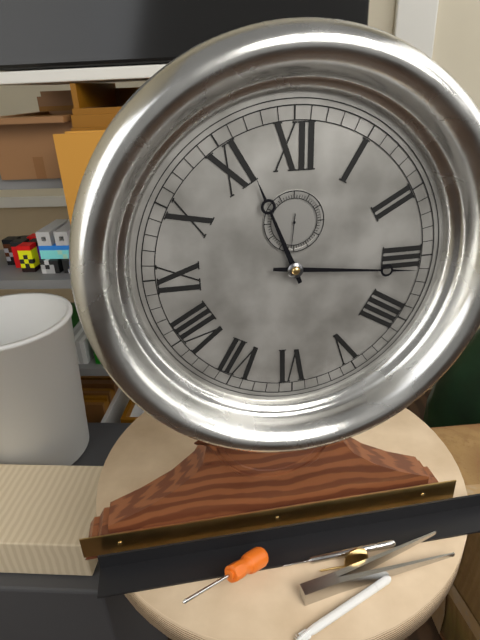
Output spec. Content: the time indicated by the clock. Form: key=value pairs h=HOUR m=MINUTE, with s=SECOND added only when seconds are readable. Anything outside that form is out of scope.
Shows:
h=11 m=16
